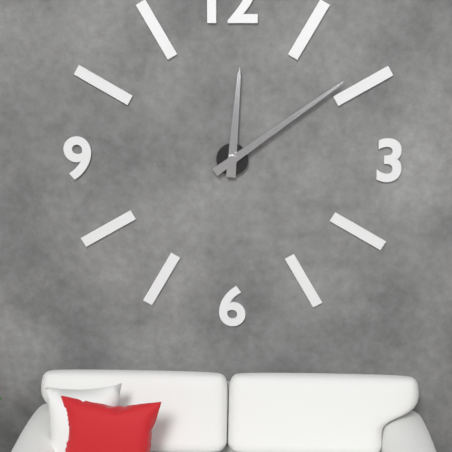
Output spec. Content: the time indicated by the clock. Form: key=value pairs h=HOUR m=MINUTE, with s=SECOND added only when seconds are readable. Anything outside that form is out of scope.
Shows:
h=12 m=9
